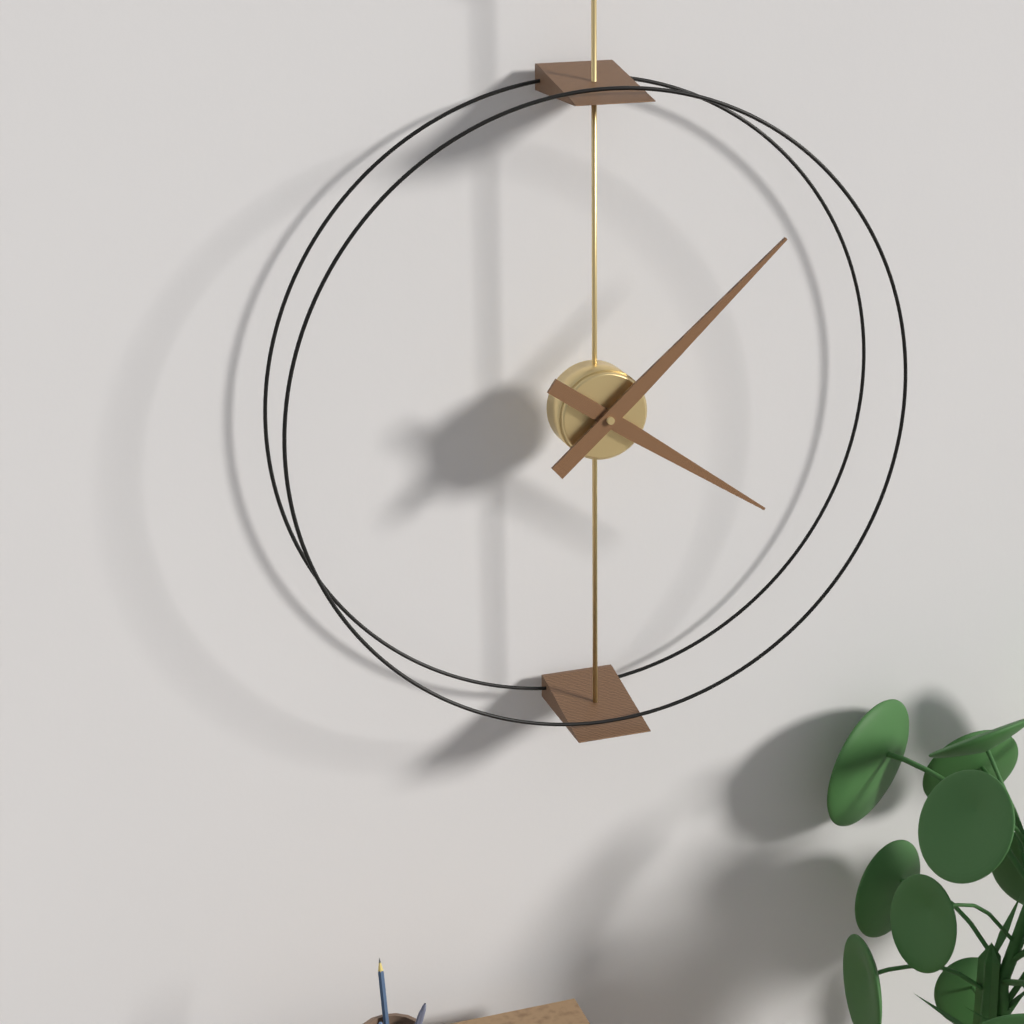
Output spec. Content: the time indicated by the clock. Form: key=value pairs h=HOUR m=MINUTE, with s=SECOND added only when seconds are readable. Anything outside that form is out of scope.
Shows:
h=4 m=8
